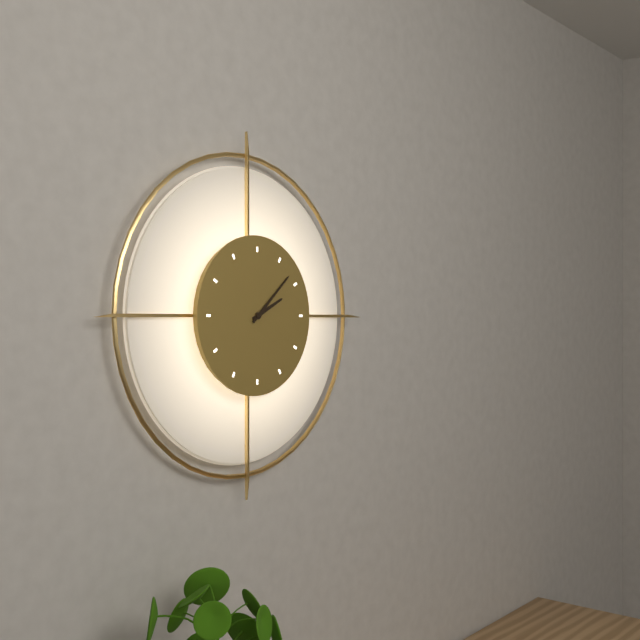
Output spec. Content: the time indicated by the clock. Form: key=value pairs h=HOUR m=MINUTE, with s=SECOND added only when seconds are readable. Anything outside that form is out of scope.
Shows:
h=2 m=8
